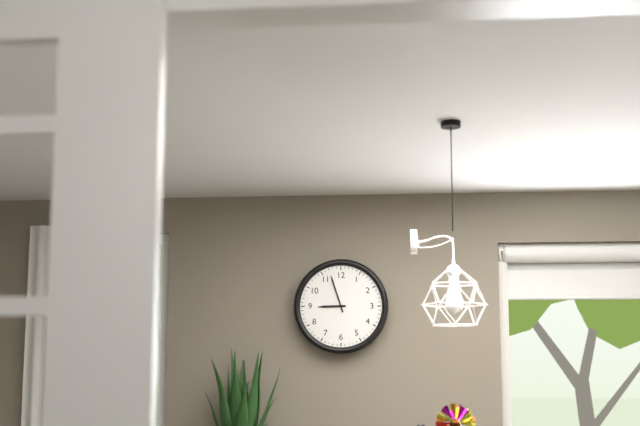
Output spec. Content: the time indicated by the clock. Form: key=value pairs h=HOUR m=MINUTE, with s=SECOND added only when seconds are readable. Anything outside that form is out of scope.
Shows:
h=8 m=57
